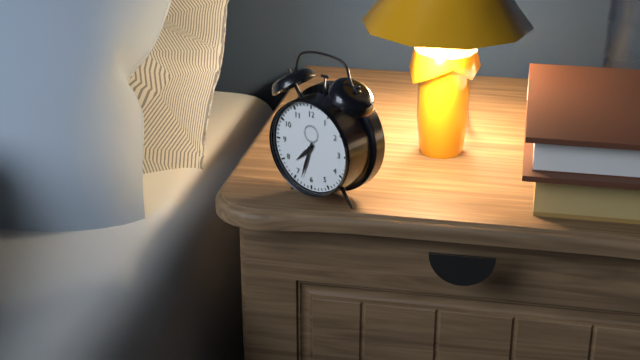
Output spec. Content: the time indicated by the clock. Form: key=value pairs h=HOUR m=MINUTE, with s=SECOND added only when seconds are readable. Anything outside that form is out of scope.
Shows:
h=7 m=33
